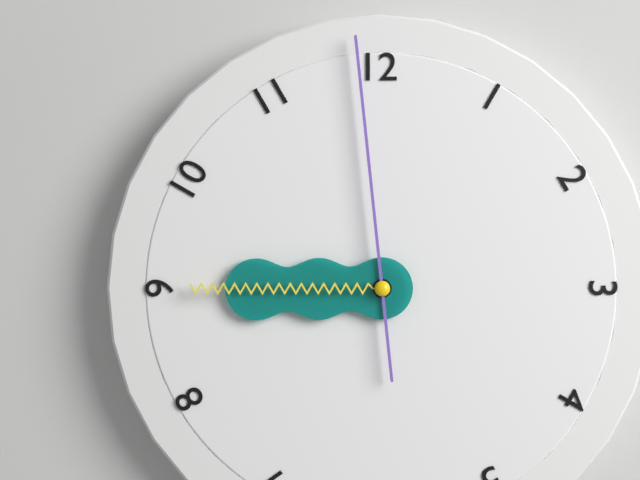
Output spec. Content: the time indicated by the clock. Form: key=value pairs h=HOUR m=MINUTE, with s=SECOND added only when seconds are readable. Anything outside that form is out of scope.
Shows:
h=8 m=59 s=45
